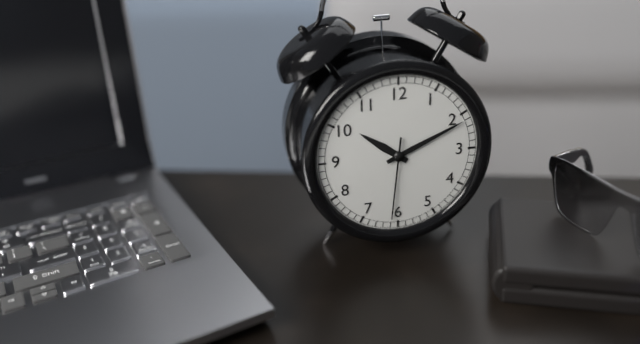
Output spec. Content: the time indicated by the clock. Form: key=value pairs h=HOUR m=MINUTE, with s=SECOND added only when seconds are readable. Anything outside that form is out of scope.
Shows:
h=10 m=11 s=31
